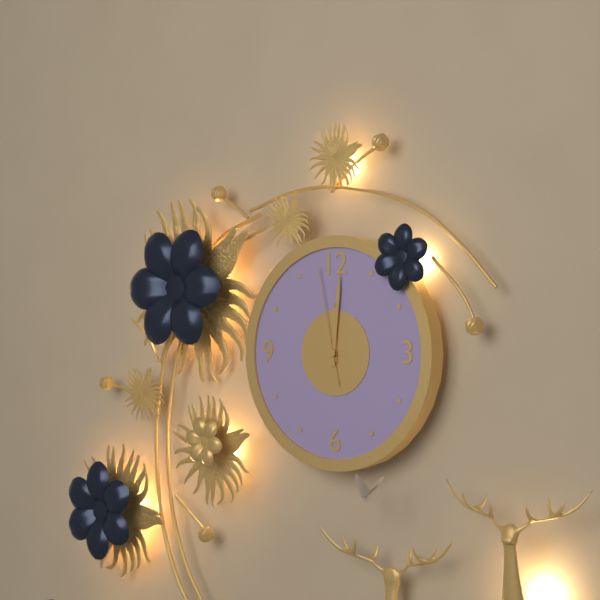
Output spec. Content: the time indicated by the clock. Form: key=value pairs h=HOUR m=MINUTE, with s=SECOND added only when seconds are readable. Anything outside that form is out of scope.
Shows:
h=12 m=1 s=58
